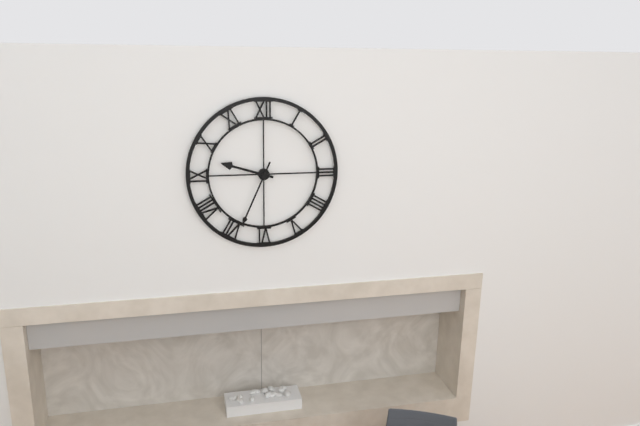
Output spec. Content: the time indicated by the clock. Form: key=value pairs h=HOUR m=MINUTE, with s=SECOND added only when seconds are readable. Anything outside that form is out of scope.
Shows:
h=9 m=34
